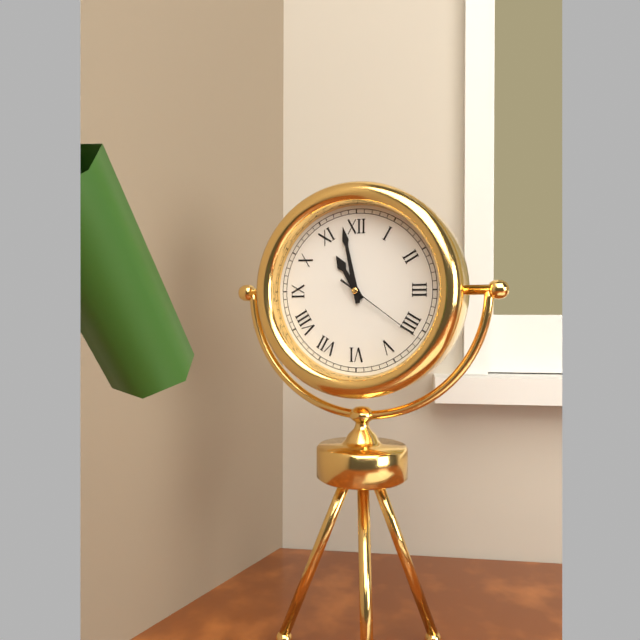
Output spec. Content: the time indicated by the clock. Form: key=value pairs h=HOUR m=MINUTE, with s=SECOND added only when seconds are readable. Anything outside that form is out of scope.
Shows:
h=10 m=58 s=21
